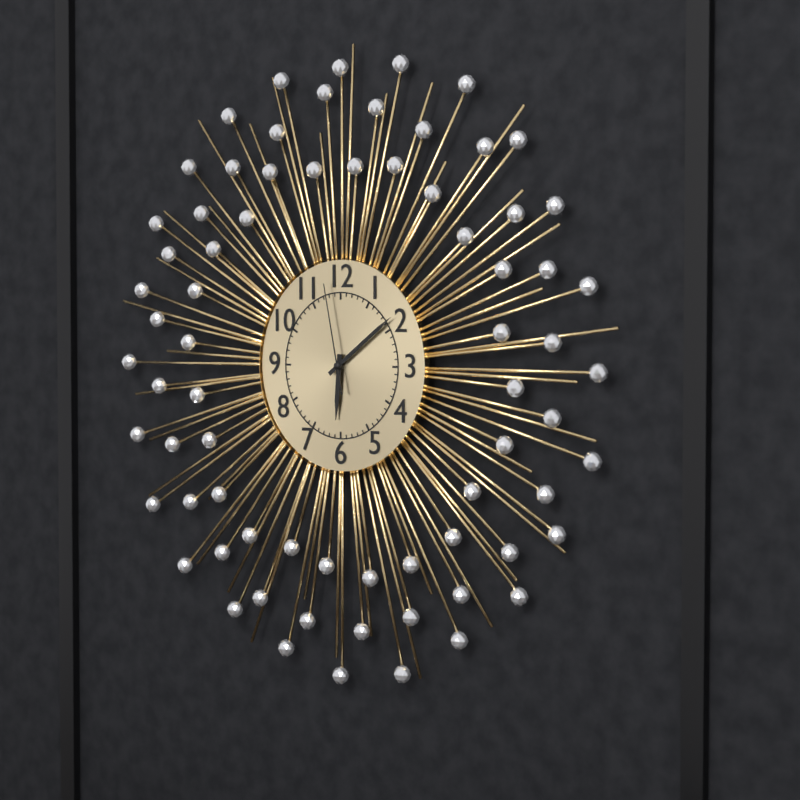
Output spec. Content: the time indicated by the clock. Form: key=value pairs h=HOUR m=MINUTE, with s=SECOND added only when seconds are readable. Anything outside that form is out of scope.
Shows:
h=6 m=9 s=58
